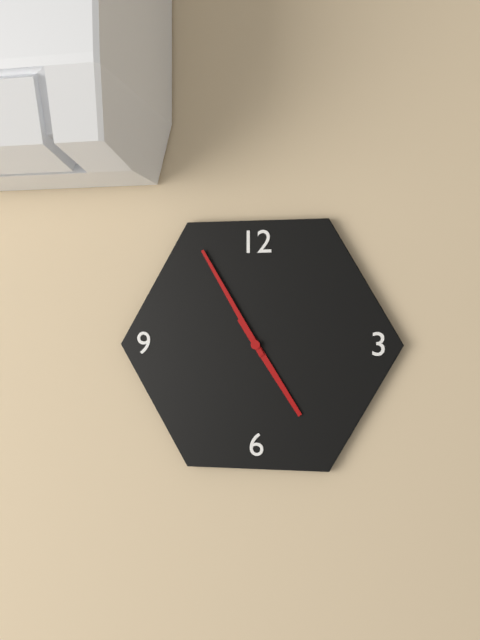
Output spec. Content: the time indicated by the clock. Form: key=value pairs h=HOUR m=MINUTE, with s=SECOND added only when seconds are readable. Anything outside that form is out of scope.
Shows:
h=4 m=55
